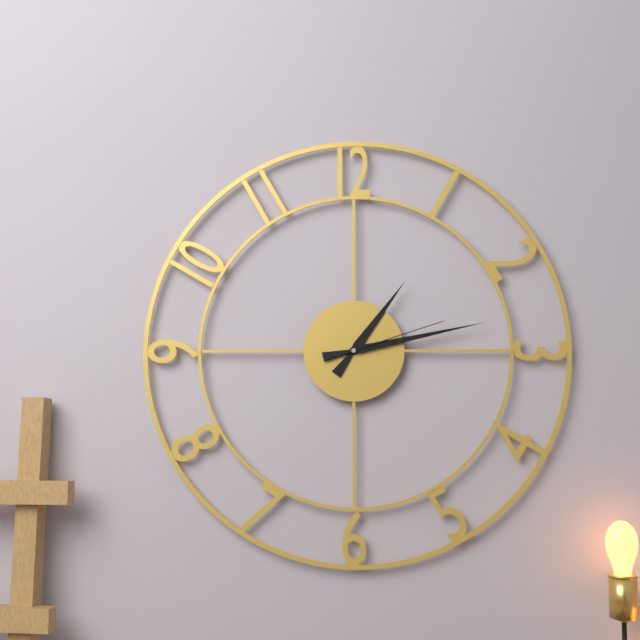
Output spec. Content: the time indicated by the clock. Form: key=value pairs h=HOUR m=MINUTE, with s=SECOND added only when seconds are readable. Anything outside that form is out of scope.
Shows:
h=1 m=13 s=12
